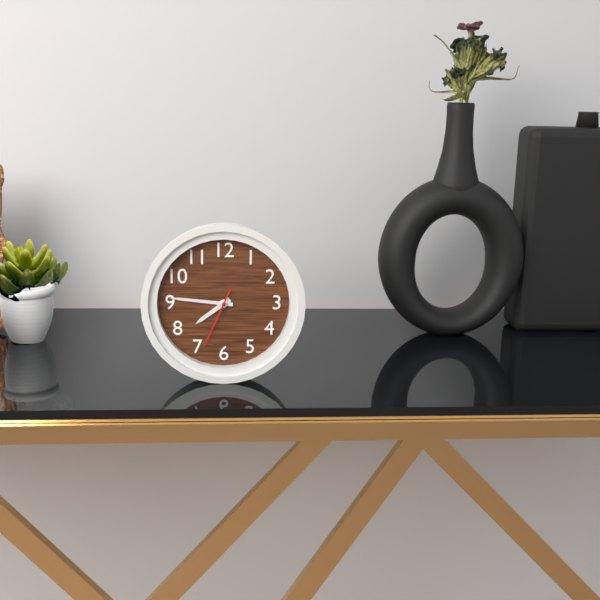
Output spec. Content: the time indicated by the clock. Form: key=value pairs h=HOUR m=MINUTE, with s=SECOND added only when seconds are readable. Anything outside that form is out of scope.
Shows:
h=7 m=46 s=34
